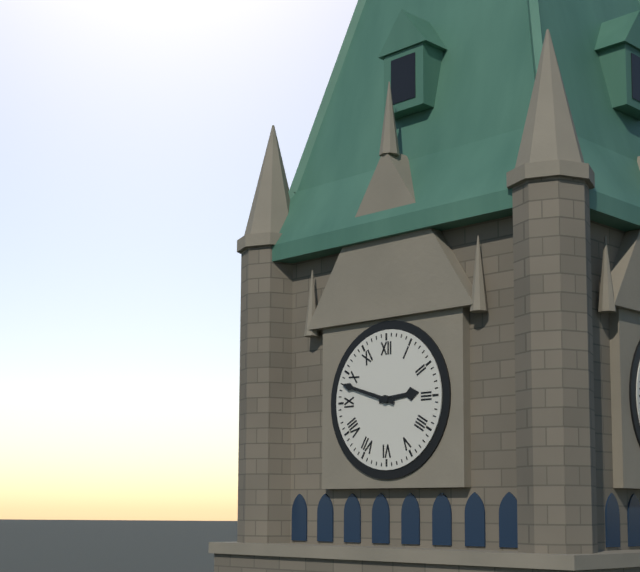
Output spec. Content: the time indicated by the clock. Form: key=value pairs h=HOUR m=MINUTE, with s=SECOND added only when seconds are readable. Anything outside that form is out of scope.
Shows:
h=2 m=48
